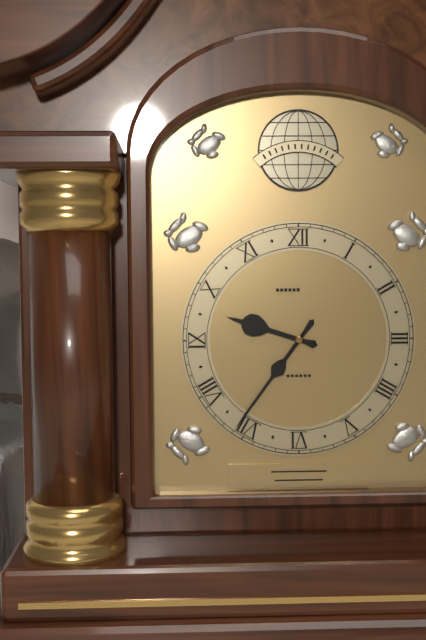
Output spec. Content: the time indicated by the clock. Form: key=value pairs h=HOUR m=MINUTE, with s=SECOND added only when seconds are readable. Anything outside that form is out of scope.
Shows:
h=9 m=36
